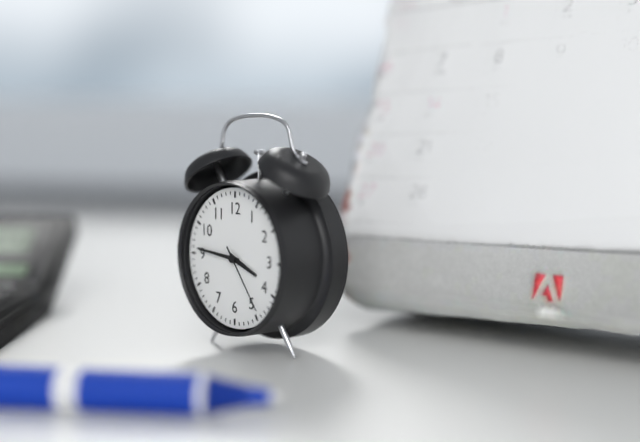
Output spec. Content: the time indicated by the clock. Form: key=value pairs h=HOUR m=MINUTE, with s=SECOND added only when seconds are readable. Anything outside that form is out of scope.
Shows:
h=3 m=46 s=24
